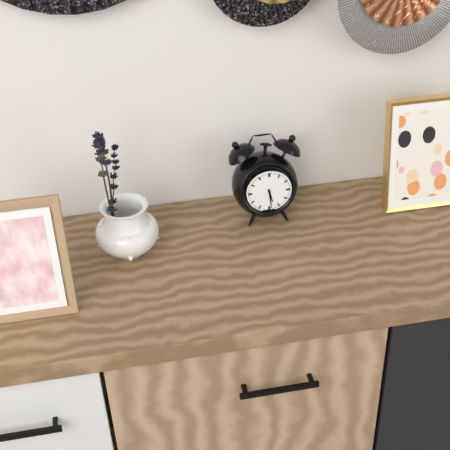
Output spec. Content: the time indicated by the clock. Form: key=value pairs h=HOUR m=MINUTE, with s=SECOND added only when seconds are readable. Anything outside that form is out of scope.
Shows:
h=5 m=29
